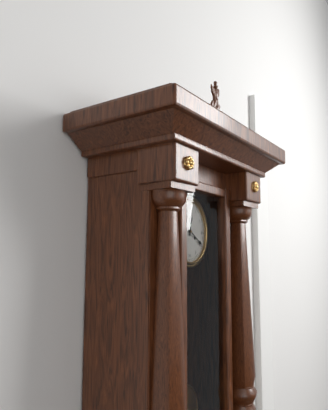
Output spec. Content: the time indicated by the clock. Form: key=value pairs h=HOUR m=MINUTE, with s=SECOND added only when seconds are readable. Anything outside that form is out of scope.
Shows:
h=12 m=20
